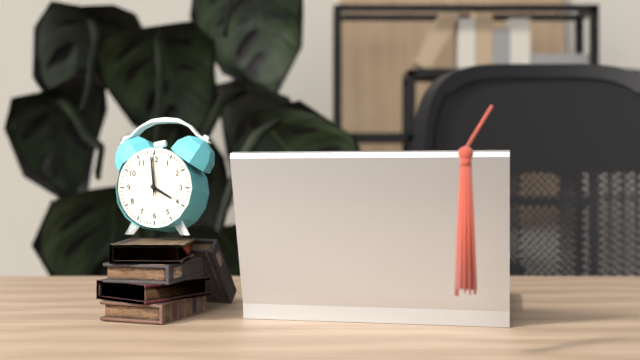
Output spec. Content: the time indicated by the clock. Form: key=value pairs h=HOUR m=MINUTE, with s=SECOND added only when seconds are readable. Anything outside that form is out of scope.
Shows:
h=3 m=59
